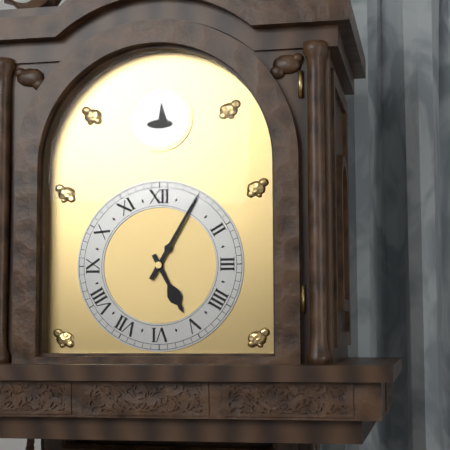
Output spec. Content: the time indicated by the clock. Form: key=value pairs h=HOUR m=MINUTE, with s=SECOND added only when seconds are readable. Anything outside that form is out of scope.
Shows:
h=5 m=5
